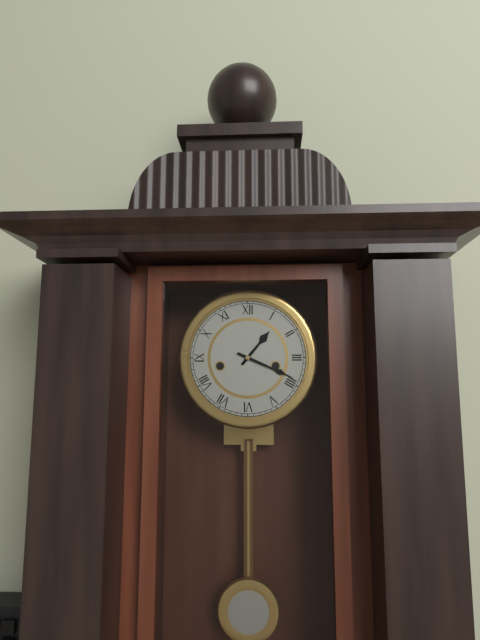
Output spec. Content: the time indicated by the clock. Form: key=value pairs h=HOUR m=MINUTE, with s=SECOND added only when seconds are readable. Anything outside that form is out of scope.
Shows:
h=1 m=19
